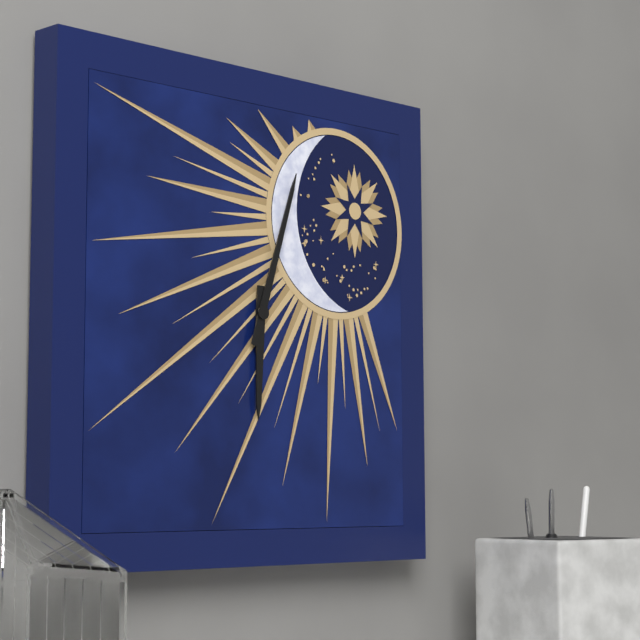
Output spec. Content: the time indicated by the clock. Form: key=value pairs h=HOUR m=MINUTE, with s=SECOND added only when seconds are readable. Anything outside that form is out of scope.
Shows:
h=6 m=3
